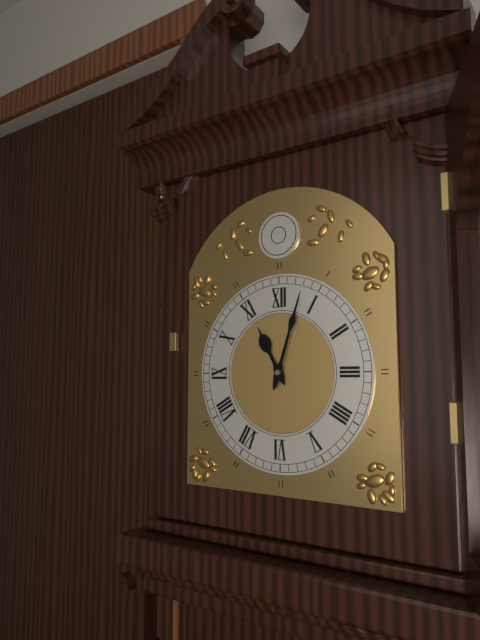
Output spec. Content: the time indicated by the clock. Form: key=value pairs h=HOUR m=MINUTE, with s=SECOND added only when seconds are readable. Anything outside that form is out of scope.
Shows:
h=11 m=3
